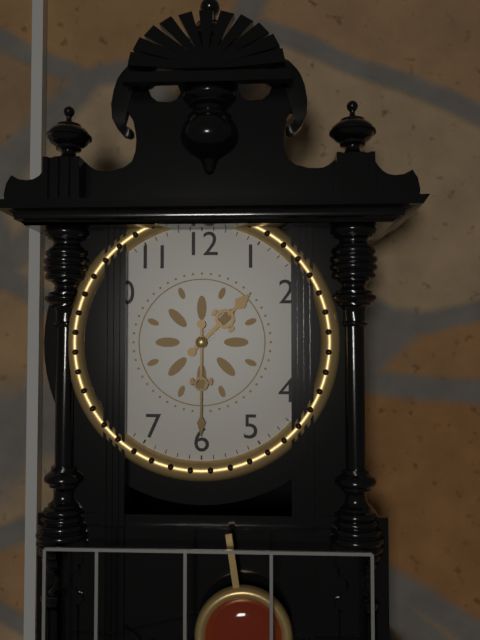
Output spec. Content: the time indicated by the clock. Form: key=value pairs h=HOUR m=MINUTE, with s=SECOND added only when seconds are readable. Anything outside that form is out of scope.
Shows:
h=1 m=30
